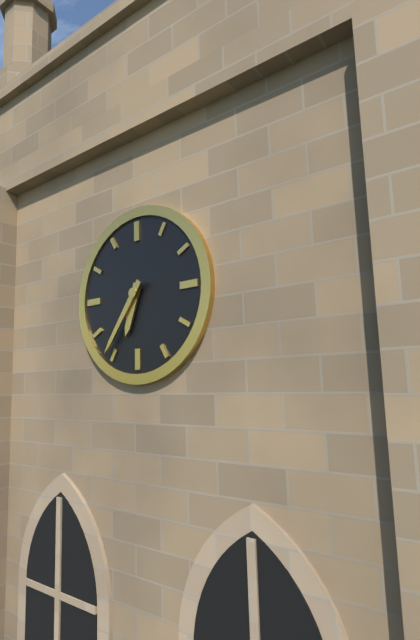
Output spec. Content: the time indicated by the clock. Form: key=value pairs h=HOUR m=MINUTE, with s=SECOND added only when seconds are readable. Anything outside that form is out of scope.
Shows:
h=6 m=36
